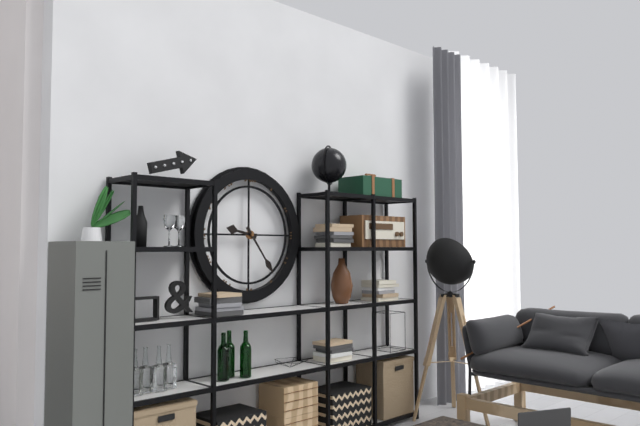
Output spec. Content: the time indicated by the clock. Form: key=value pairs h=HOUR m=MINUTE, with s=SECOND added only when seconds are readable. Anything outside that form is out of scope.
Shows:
h=9 m=24
